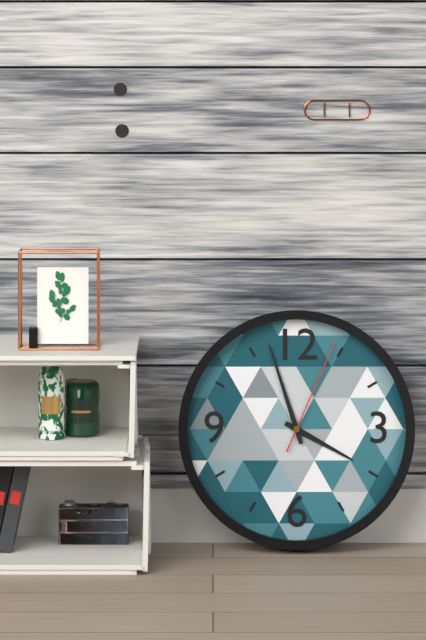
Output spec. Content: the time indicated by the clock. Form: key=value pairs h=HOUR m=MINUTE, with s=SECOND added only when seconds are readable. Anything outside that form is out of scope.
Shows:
h=3 m=57 s=4
